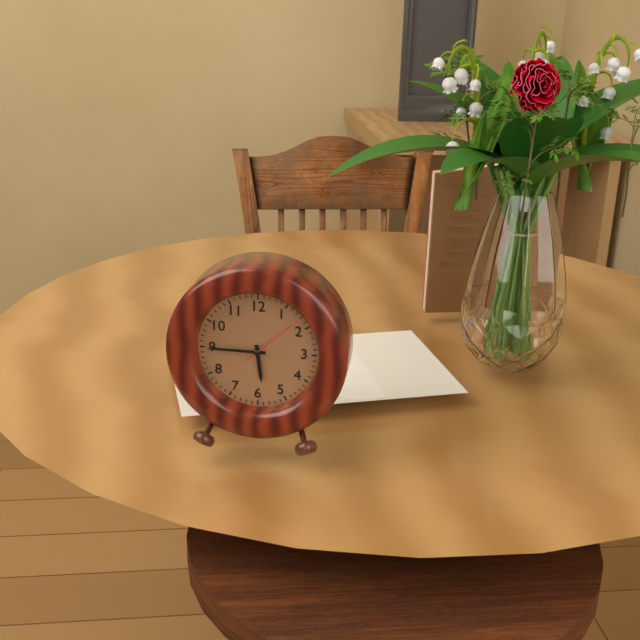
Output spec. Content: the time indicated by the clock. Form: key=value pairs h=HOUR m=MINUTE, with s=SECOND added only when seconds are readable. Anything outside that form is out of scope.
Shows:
h=5 m=45 s=8
